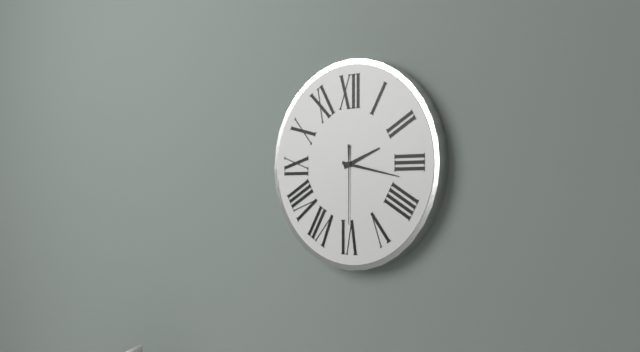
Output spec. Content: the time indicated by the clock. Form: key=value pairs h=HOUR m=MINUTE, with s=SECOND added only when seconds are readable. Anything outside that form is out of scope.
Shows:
h=2 m=17 s=30
